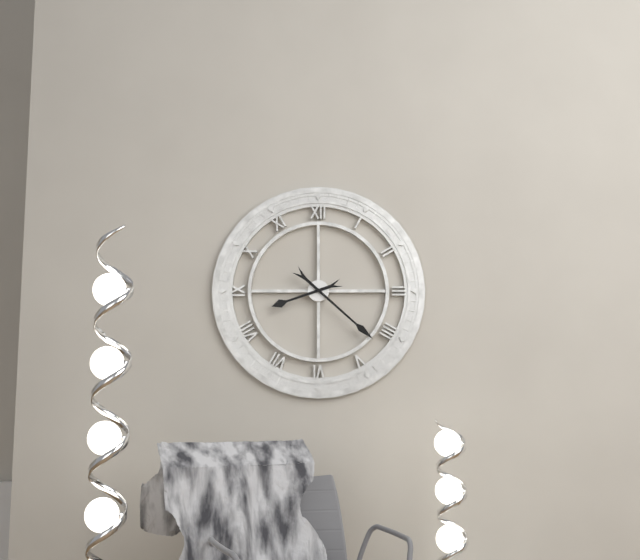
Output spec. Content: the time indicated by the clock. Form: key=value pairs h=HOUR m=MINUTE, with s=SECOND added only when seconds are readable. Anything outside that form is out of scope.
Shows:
h=8 m=22
